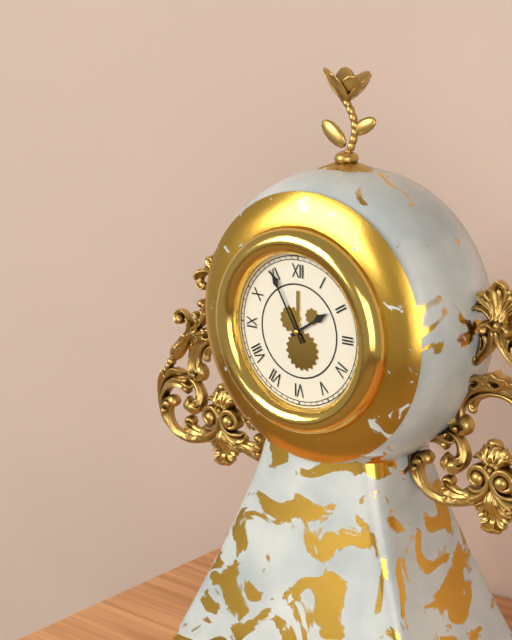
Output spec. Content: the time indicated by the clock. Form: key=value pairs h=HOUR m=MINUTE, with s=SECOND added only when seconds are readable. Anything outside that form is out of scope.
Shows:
h=1 m=55
